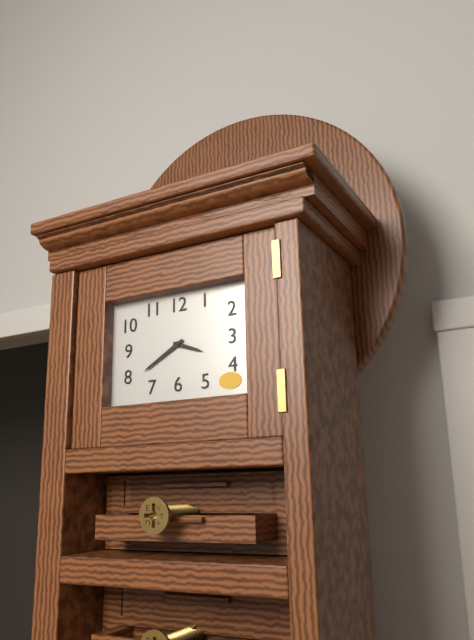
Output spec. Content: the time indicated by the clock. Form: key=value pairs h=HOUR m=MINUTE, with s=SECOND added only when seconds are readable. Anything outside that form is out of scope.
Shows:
h=3 m=40
